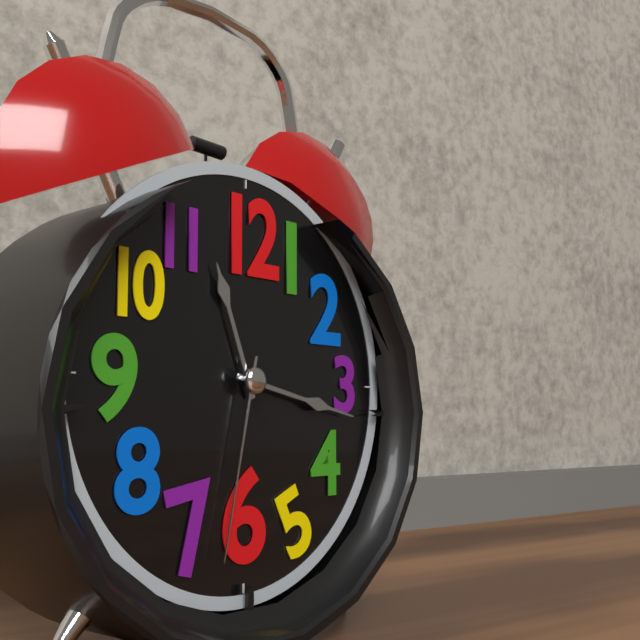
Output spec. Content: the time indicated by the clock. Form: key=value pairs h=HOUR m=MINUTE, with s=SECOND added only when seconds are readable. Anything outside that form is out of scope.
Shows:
h=11 m=17 s=32
